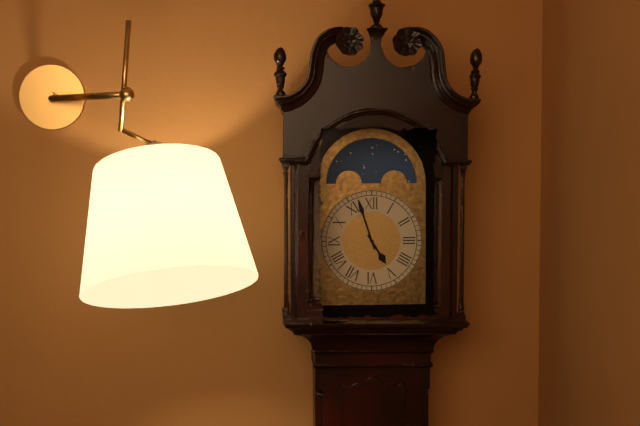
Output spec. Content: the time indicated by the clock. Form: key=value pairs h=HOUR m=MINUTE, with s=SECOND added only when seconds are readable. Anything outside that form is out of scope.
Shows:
h=4 m=57
